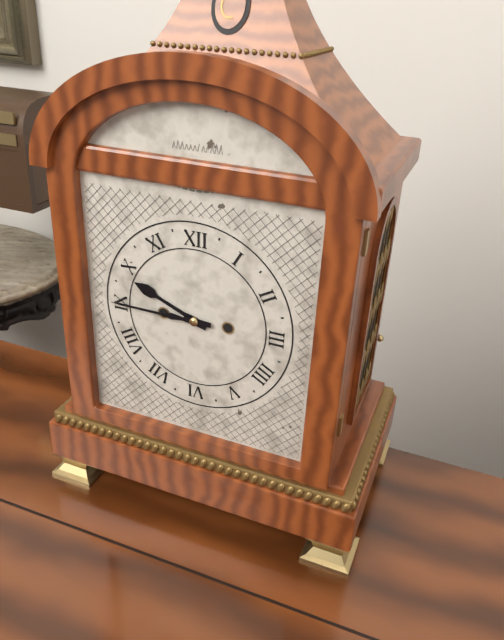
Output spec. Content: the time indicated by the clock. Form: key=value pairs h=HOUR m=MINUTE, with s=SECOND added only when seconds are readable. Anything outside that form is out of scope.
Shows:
h=9 m=45
